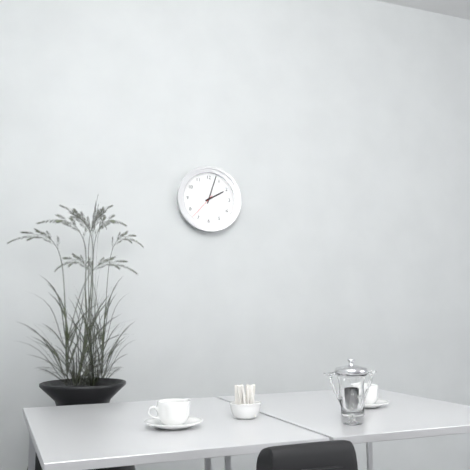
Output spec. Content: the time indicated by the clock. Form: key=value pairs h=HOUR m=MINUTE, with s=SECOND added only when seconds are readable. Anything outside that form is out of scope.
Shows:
h=2 m=3
